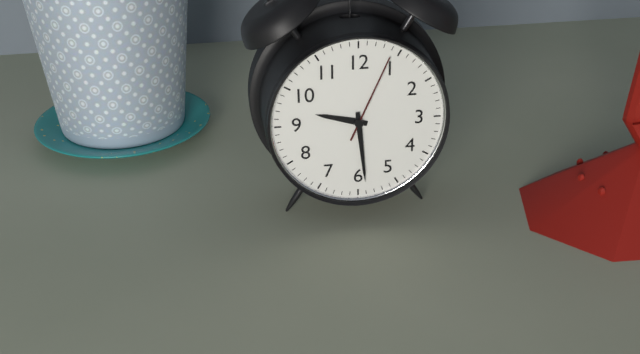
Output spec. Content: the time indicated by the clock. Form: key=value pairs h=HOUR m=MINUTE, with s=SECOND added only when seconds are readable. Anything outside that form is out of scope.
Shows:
h=9 m=29 s=4
